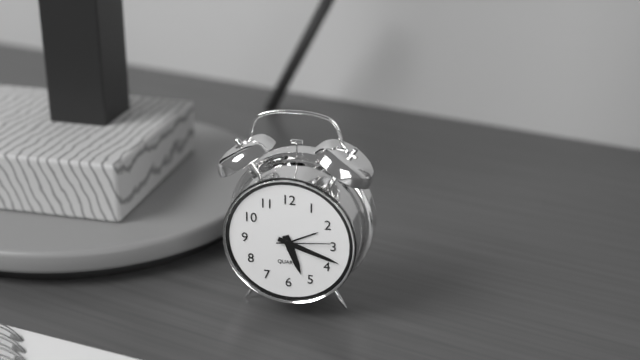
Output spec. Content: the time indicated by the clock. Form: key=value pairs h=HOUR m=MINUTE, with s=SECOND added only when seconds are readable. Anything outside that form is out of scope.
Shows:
h=5 m=18 s=14
